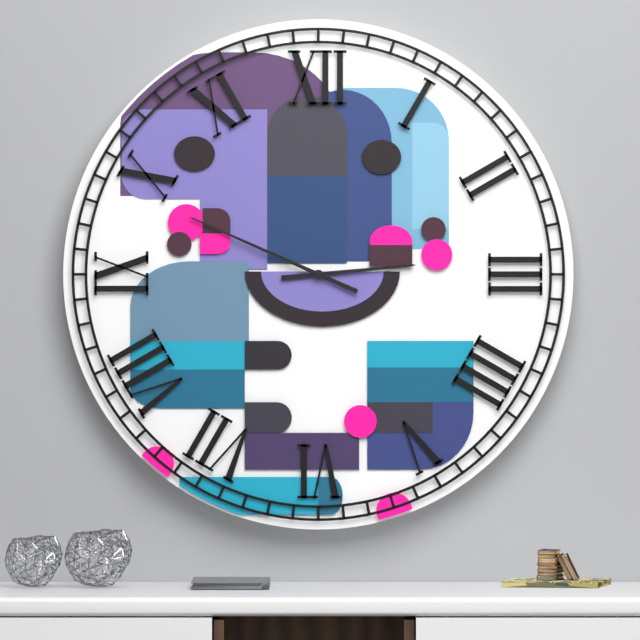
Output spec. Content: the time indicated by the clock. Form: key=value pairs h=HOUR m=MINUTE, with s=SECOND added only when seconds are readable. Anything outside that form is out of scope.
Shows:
h=2 m=49
